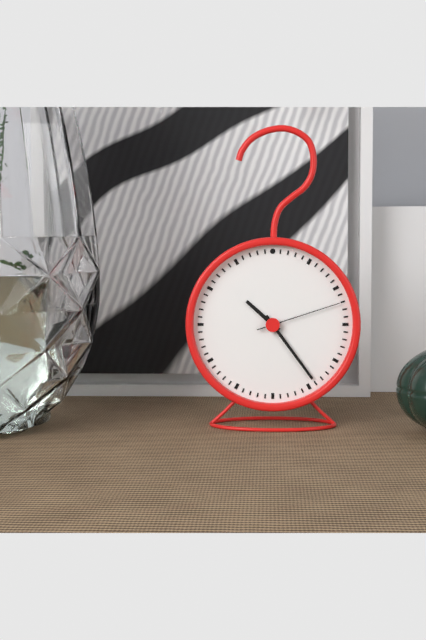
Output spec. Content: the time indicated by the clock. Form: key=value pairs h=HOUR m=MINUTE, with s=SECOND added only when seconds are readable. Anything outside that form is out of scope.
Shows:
h=10 m=24 s=12
